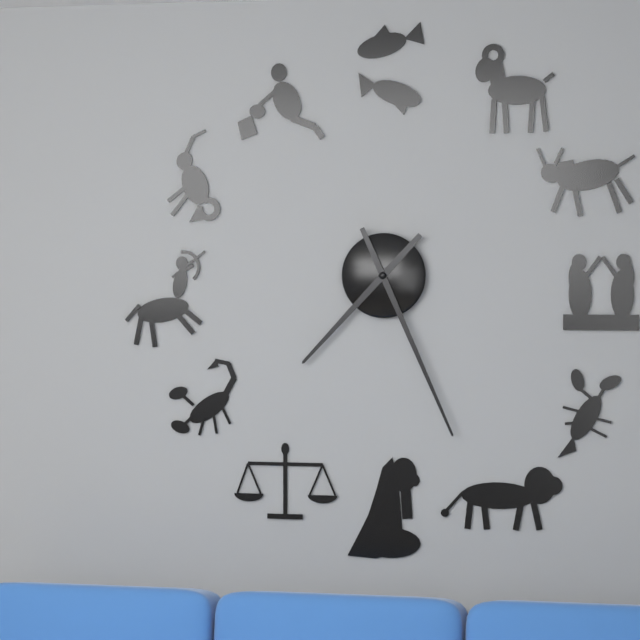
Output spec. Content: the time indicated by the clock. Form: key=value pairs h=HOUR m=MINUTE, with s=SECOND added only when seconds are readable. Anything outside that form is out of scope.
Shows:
h=7 m=26
